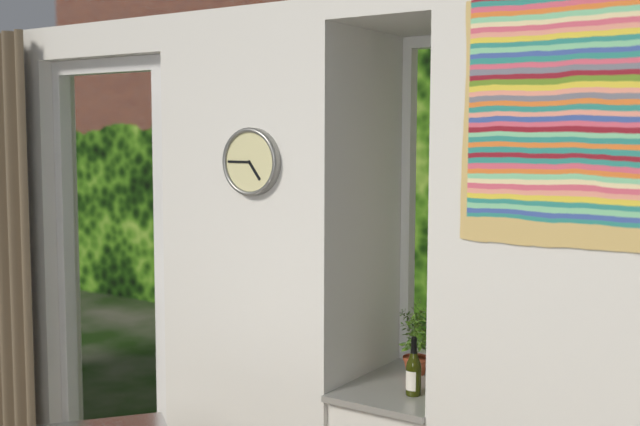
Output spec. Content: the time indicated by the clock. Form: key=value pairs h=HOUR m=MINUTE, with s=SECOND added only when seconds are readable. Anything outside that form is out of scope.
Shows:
h=4 m=45
